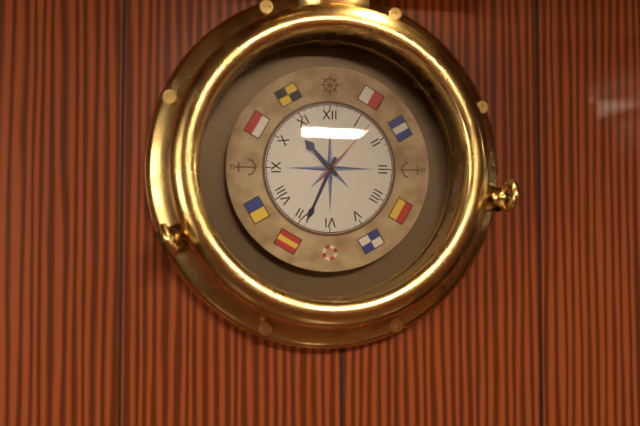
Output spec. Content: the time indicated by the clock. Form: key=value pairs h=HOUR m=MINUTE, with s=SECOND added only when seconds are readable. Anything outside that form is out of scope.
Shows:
h=10 m=34 s=7
